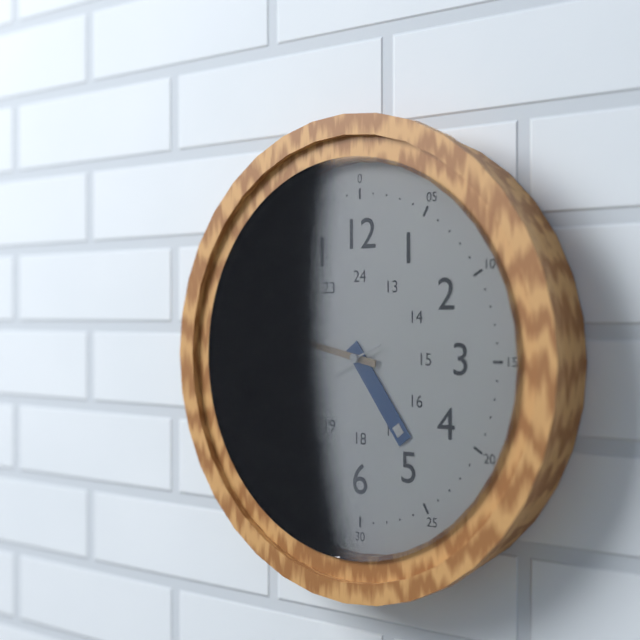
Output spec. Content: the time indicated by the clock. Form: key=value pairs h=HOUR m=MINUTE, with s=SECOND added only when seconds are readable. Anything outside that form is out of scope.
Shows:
h=4 m=47 s=41
